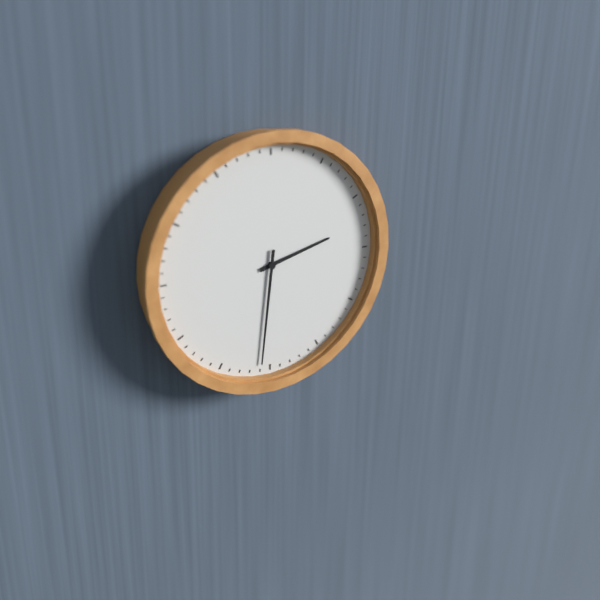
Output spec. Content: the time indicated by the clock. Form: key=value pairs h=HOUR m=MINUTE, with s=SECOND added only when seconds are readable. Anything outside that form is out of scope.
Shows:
h=2 m=31
